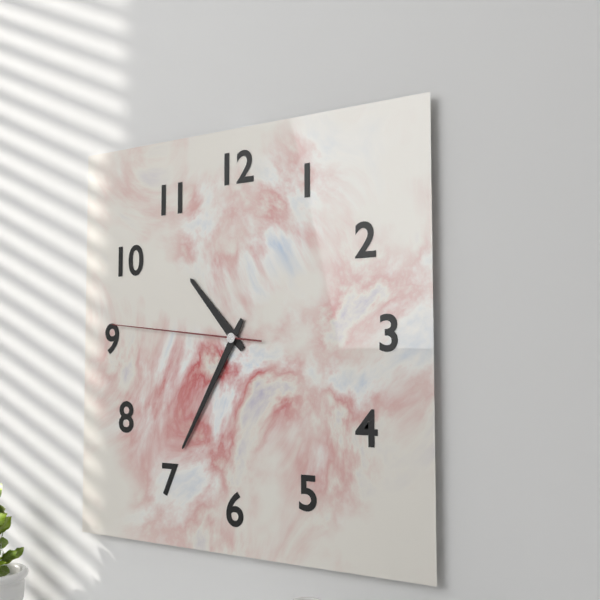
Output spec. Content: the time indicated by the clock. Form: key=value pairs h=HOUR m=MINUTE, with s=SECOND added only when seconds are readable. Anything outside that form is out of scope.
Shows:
h=10 m=35 s=46
